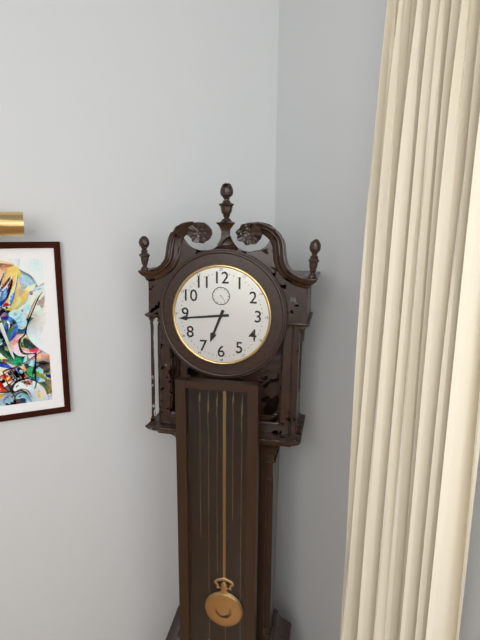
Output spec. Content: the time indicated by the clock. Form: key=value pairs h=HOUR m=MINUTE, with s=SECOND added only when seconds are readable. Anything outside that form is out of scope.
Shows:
h=6 m=44
